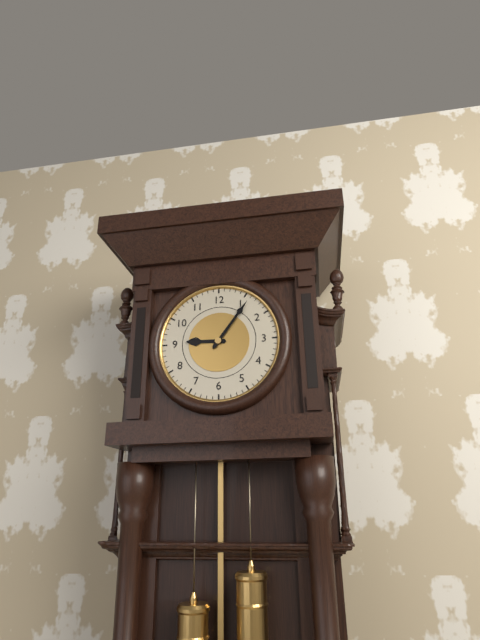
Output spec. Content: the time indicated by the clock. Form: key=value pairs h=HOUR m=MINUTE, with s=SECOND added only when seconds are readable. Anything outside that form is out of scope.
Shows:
h=9 m=6
